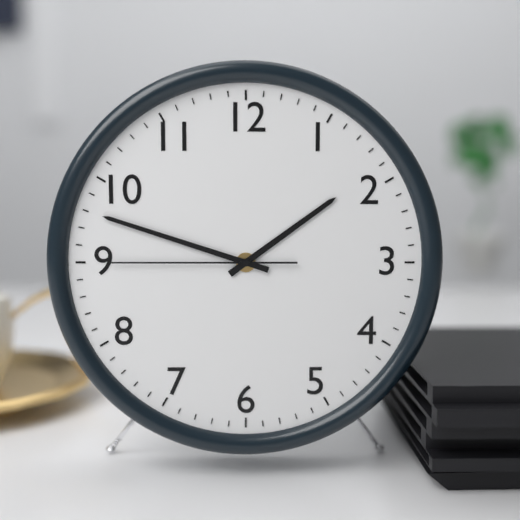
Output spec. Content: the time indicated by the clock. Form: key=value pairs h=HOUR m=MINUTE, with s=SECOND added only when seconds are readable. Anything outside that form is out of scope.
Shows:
h=1 m=48 s=45
